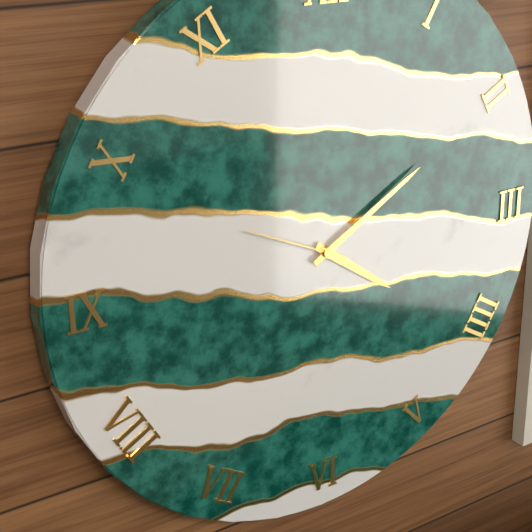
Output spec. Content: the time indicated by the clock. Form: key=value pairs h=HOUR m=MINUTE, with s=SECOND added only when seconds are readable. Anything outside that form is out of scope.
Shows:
h=4 m=10 s=49
